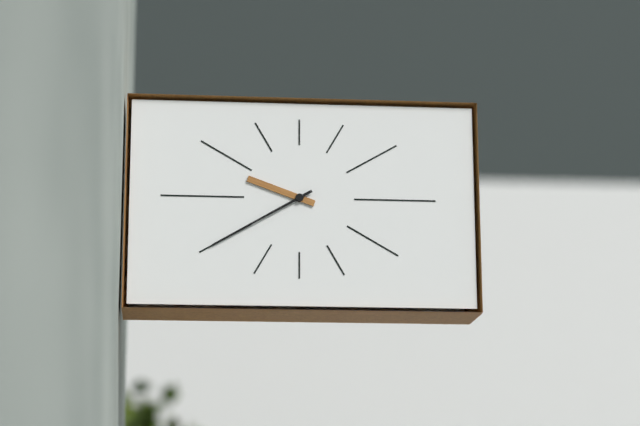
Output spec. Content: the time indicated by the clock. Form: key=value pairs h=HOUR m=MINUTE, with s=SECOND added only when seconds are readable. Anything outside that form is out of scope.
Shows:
h=9 m=40
